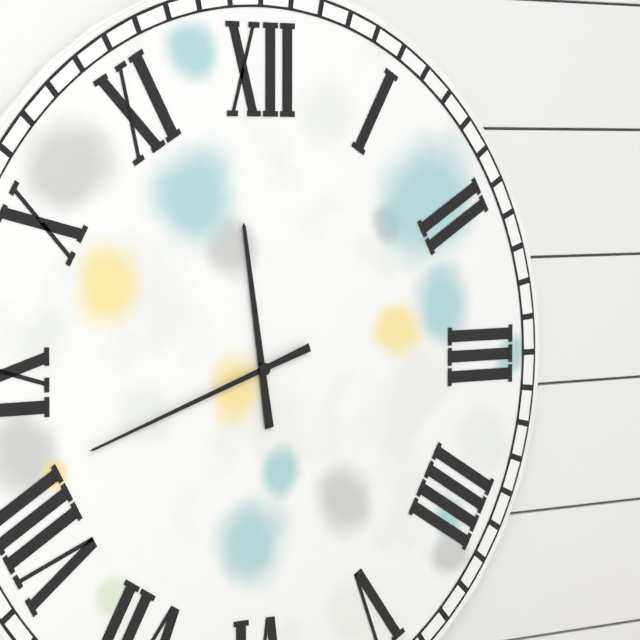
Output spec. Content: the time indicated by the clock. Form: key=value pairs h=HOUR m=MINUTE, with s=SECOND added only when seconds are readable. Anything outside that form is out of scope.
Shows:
h=11 m=42
